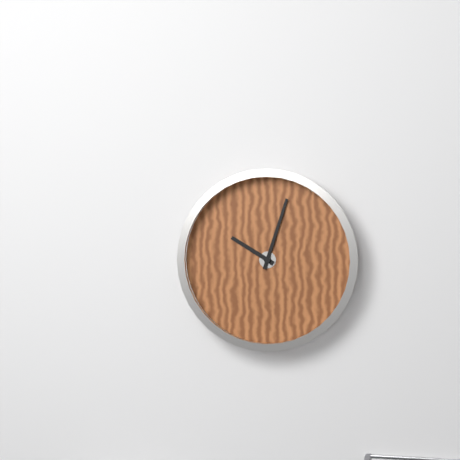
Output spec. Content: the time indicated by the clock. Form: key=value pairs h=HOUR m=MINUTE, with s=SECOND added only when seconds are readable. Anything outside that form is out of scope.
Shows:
h=10 m=3
